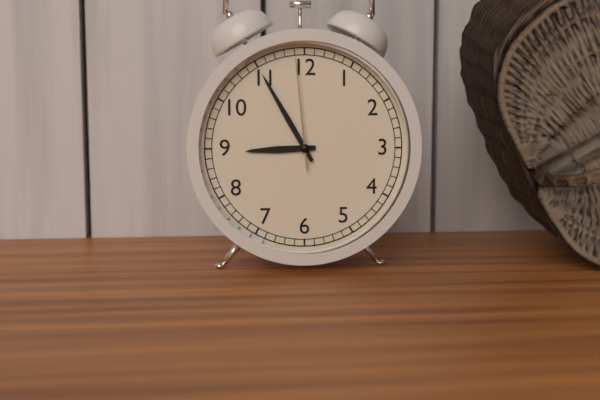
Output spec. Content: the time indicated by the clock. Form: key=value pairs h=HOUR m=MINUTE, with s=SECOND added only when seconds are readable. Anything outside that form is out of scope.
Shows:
h=8 m=55 s=59
